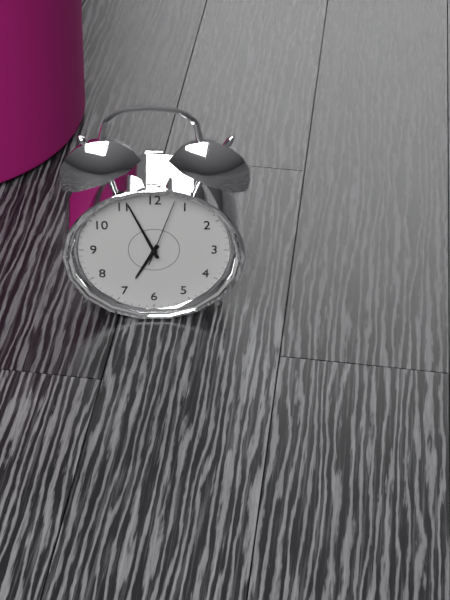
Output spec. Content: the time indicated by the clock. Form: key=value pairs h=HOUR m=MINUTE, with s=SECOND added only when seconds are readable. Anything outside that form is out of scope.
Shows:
h=6 m=56 s=3
